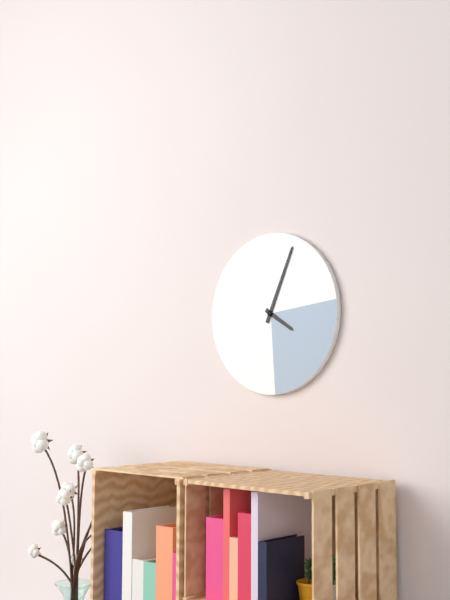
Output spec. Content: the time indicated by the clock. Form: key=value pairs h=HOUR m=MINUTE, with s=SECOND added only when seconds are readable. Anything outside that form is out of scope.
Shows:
h=4 m=4
